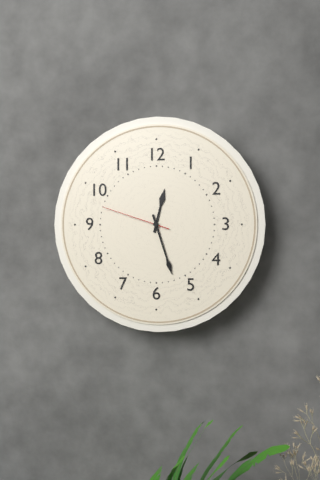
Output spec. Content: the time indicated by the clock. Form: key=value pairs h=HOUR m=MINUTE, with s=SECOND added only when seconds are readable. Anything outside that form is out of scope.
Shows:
h=12 m=27 s=48
